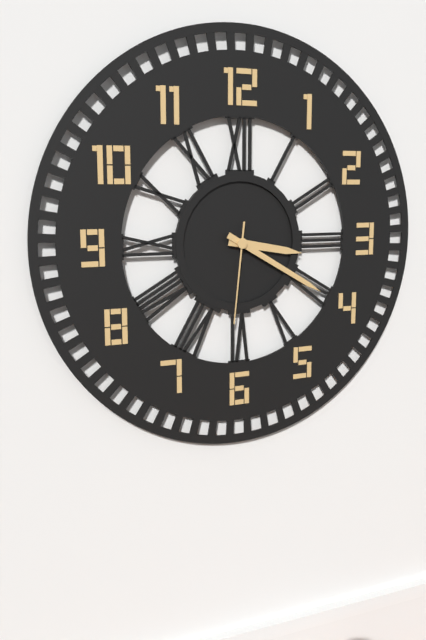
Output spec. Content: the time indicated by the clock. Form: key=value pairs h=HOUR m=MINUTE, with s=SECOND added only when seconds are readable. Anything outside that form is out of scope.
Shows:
h=3 m=20 s=31
